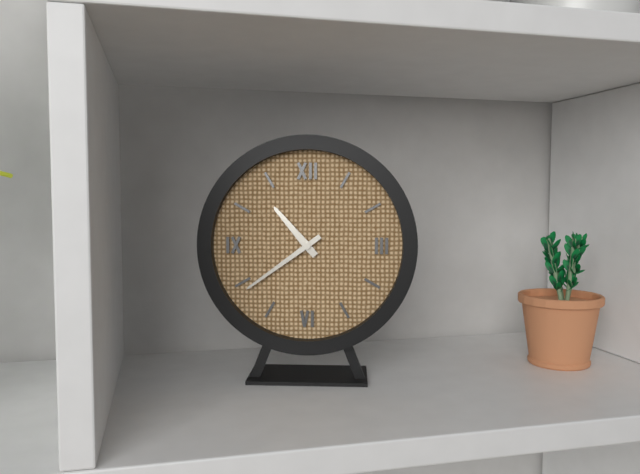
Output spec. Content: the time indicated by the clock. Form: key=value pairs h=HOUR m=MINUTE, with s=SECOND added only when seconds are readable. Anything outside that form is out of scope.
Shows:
h=10 m=39
